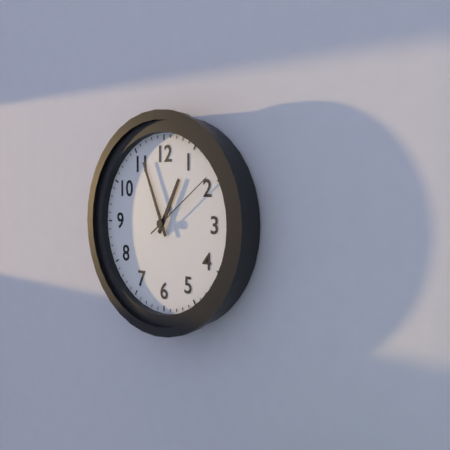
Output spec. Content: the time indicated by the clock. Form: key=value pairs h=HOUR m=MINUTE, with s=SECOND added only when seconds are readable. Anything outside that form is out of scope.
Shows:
h=12 m=56 s=9
